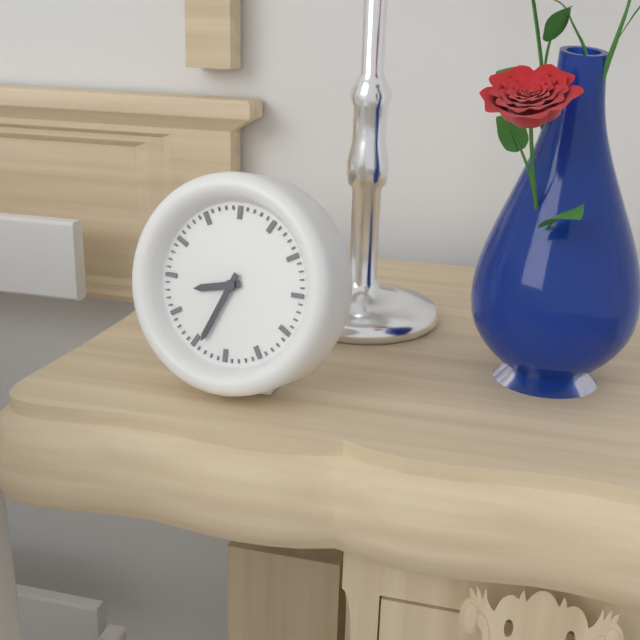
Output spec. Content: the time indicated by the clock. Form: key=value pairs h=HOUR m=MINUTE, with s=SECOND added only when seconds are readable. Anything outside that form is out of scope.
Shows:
h=8 m=34
